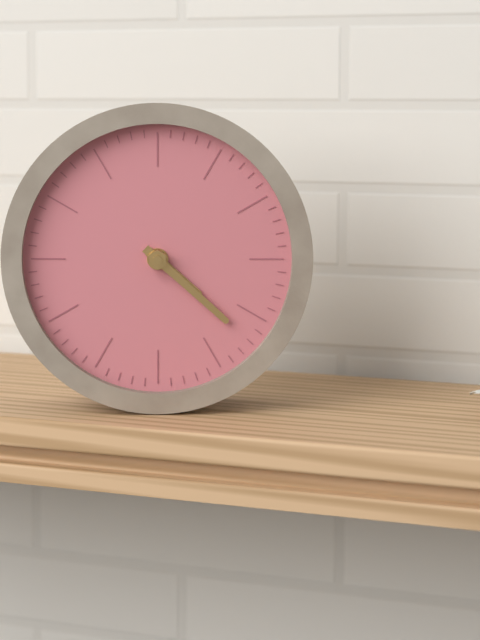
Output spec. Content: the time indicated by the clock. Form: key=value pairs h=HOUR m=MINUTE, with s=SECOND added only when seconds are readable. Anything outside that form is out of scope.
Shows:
h=4 m=22
